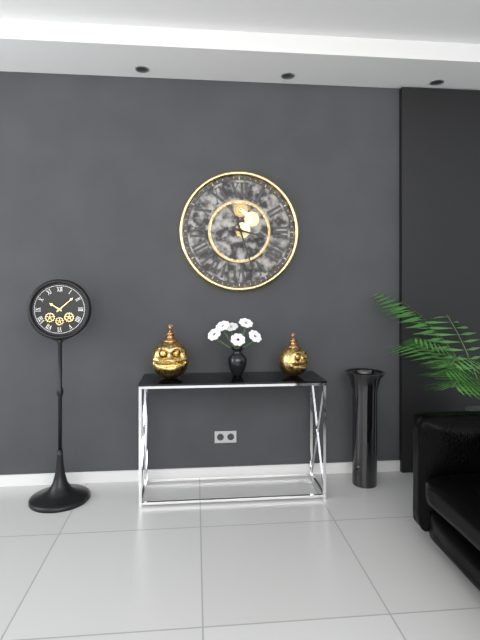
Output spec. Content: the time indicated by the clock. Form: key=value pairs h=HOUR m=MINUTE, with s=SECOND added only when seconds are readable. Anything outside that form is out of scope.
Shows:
h=3 m=27
